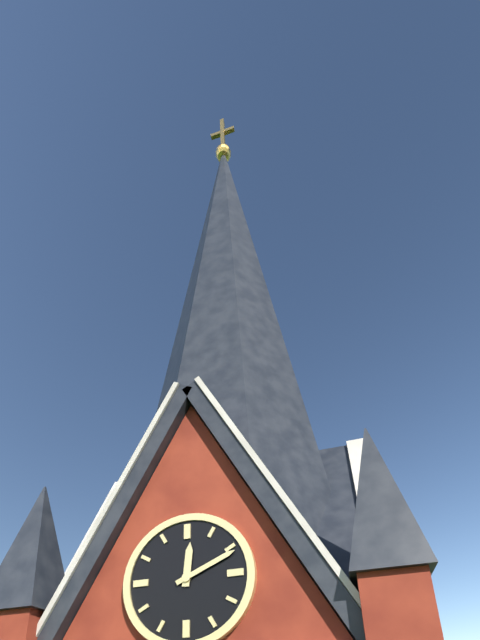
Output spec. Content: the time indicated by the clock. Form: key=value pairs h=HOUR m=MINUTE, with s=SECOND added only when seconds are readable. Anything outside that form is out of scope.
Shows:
h=12 m=11
